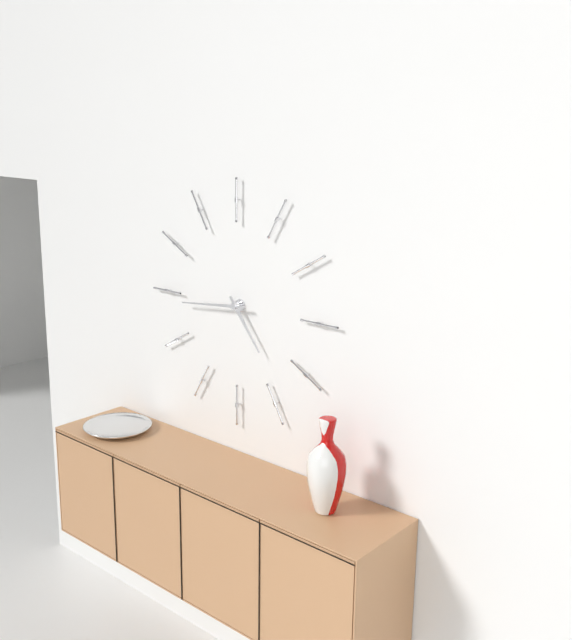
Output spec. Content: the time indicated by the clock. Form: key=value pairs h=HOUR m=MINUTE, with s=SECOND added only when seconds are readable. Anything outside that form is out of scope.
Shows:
h=4 m=44
